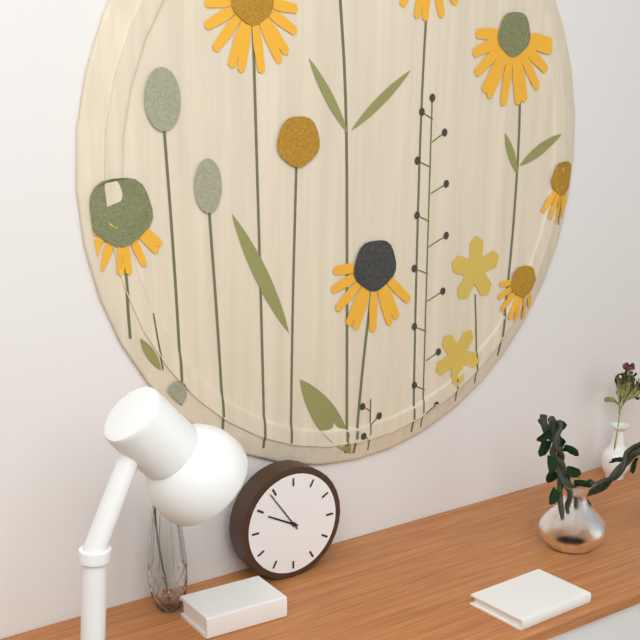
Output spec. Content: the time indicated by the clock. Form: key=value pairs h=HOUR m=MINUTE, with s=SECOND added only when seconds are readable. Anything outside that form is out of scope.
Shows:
h=9 m=54
